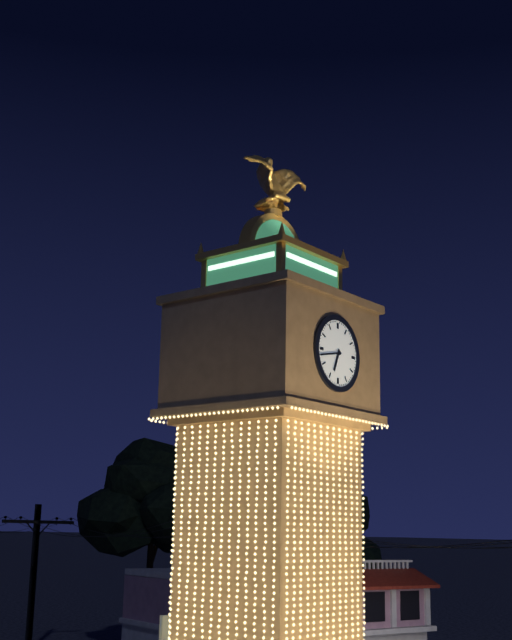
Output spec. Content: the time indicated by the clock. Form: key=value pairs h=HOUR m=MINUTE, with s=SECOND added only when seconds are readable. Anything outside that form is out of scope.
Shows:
h=6 m=43
